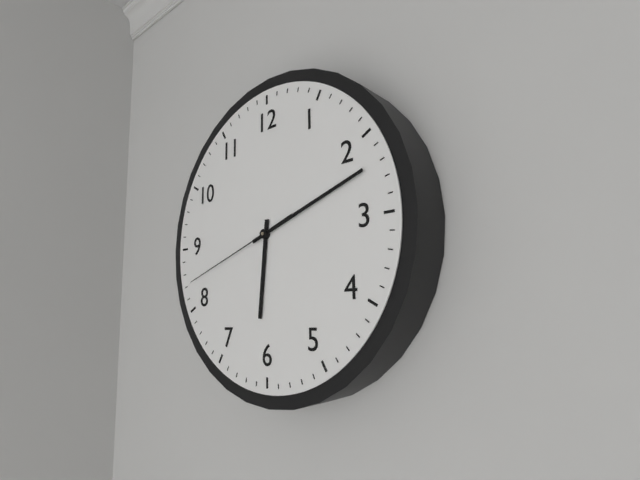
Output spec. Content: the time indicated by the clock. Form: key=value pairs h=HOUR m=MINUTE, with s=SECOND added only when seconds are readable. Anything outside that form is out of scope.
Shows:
h=6 m=12 s=42
